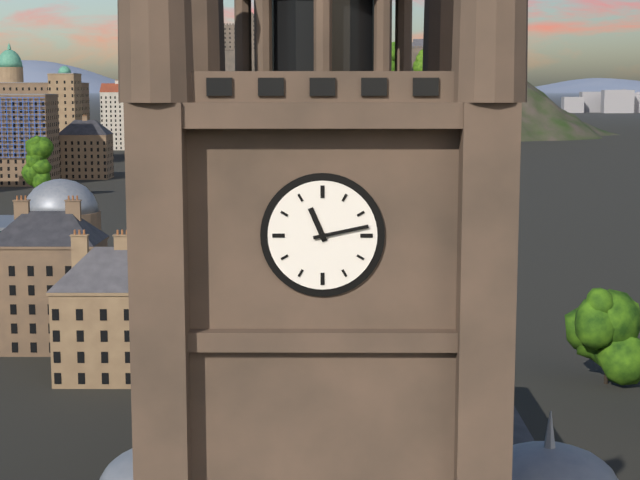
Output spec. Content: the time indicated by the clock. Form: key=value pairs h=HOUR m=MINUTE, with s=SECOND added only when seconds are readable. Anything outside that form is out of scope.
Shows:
h=11 m=13
